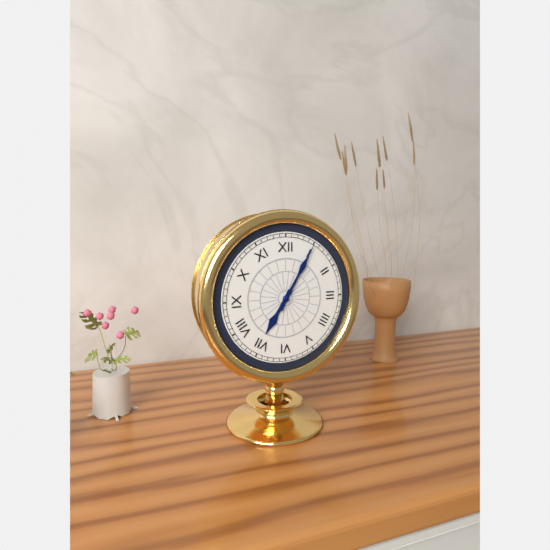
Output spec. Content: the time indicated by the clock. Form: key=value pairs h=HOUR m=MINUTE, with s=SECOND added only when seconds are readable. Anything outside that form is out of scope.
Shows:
h=7 m=5
